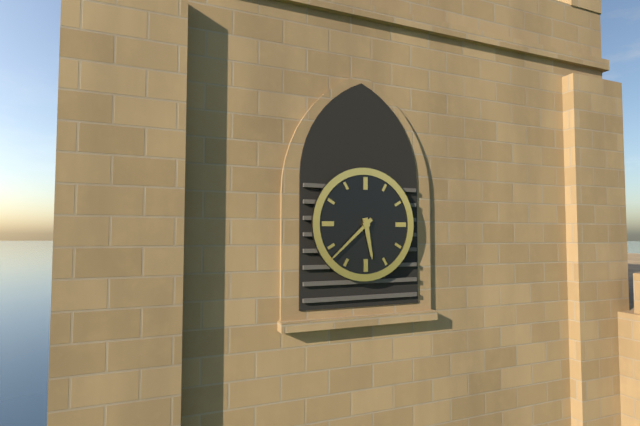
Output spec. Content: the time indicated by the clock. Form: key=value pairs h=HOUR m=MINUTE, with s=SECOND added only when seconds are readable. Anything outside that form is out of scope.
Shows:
h=5 m=38
